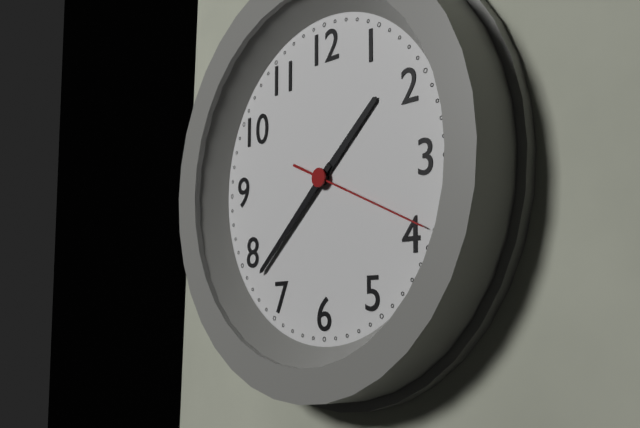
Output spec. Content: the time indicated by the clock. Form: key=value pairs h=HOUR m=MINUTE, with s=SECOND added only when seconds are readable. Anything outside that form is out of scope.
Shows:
h=1 m=38 s=19
